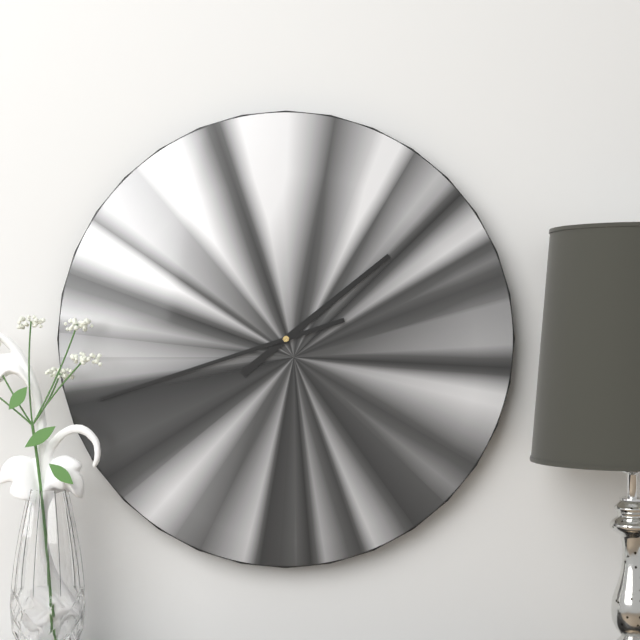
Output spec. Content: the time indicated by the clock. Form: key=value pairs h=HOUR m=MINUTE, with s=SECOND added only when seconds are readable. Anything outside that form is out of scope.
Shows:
h=1 m=42
